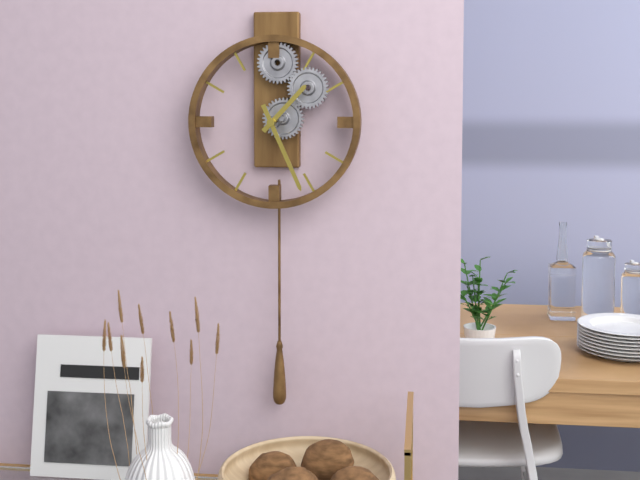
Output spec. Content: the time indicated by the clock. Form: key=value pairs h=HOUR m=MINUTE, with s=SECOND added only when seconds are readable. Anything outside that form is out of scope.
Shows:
h=1 m=26
